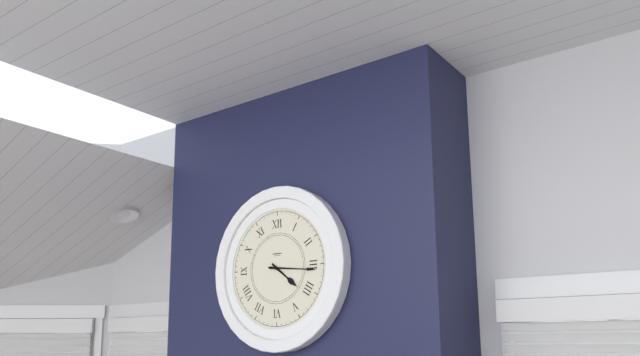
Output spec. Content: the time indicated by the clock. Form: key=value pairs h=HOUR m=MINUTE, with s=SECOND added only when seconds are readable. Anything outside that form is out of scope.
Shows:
h=4 m=16
